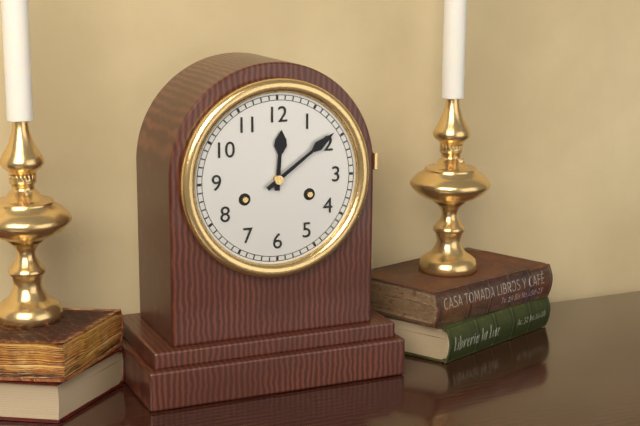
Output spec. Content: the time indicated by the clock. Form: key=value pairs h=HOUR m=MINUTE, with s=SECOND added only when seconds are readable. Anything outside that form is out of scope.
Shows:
h=12 m=9
